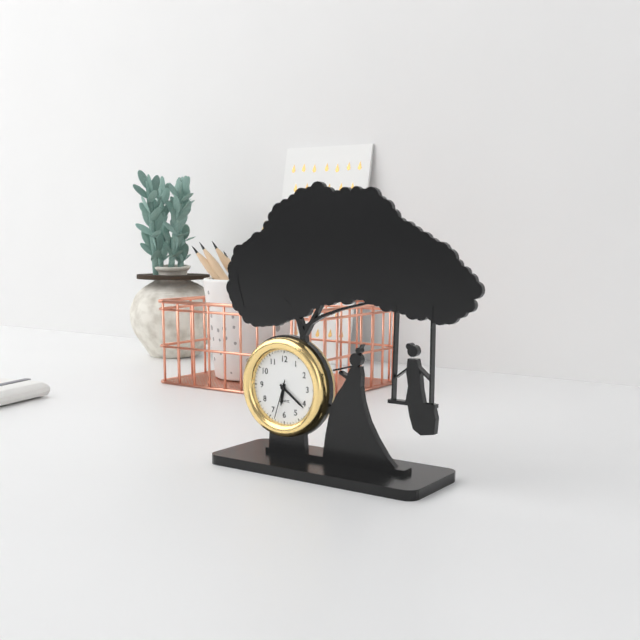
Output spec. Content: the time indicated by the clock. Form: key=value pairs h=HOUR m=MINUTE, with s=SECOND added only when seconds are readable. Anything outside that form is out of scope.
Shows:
h=6 m=21
